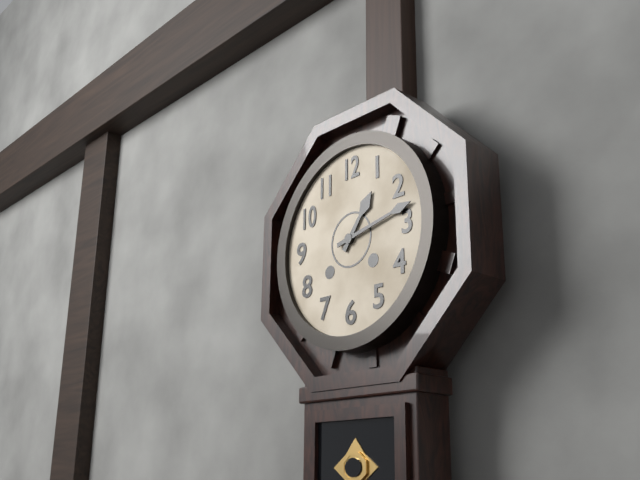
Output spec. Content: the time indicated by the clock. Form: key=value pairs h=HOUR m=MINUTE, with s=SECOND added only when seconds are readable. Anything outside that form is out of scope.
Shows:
h=1 m=13
